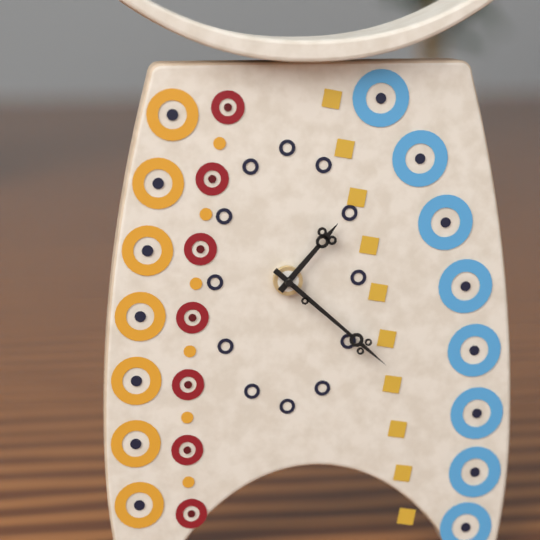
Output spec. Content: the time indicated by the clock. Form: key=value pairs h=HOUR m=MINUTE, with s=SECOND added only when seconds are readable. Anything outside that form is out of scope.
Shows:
h=1 m=22
